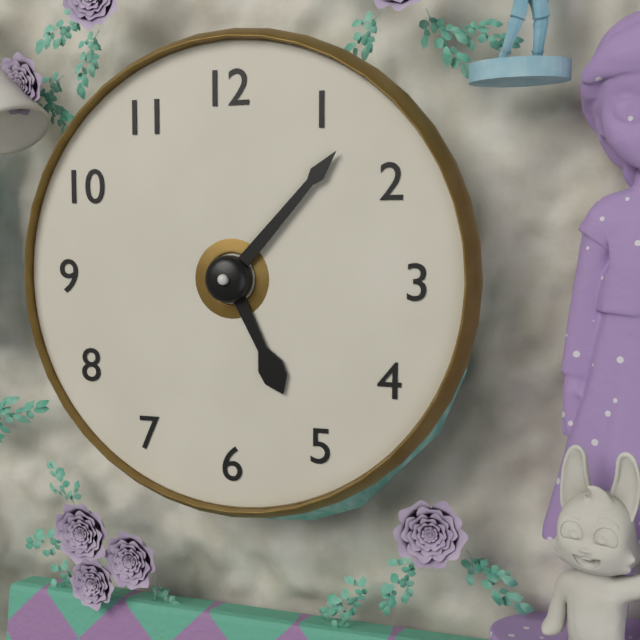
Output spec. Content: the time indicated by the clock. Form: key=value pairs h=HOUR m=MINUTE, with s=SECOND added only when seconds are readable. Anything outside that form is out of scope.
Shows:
h=5 m=7
